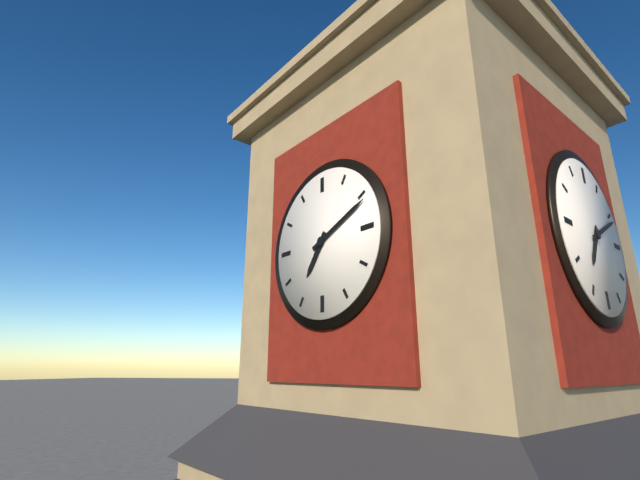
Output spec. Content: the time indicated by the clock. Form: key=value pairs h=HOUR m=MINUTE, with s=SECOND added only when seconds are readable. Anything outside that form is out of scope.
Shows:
h=7 m=11
